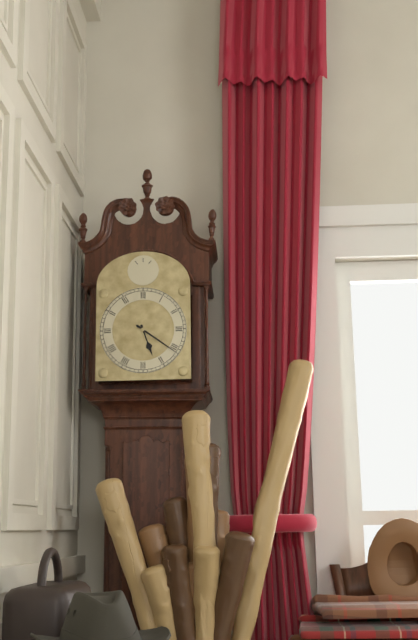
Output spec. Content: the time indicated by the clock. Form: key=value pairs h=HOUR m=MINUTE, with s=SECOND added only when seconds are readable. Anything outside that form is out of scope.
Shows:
h=5 m=21
